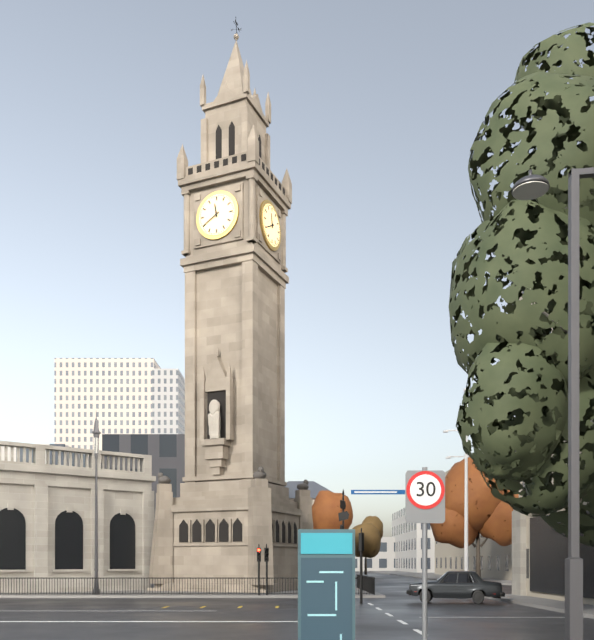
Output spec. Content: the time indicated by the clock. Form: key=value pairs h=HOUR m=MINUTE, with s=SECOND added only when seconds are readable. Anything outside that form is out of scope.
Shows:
h=11 m=40
